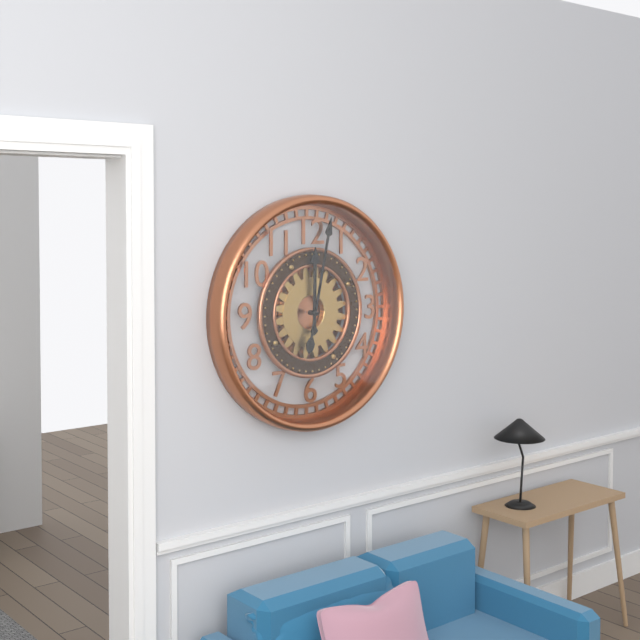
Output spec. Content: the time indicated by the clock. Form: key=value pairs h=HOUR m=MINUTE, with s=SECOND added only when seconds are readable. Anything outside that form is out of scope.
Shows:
h=12 m=2
